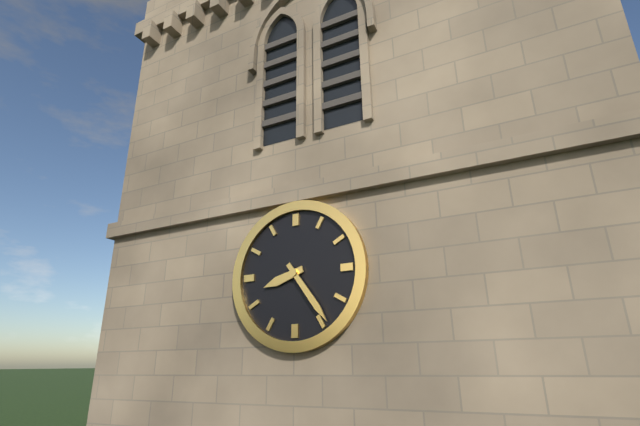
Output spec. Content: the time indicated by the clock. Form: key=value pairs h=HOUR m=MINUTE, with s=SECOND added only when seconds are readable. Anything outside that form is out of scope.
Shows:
h=8 m=24
